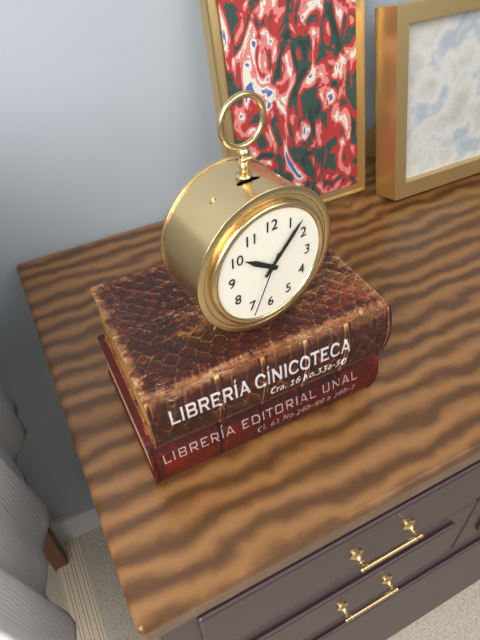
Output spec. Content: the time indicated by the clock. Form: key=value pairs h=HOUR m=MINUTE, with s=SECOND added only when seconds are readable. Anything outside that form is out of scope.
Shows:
h=10 m=7 s=34
